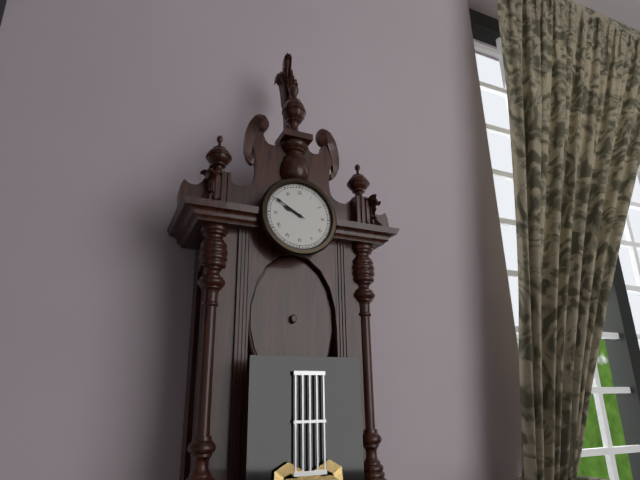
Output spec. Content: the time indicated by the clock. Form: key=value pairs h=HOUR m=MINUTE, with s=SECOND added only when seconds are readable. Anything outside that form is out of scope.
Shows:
h=9 m=50
